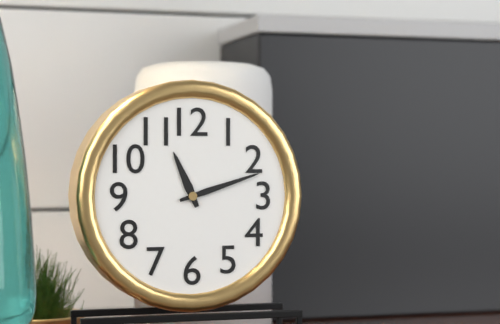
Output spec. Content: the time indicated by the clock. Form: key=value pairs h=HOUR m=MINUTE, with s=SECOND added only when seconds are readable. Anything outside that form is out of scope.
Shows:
h=11 m=12
